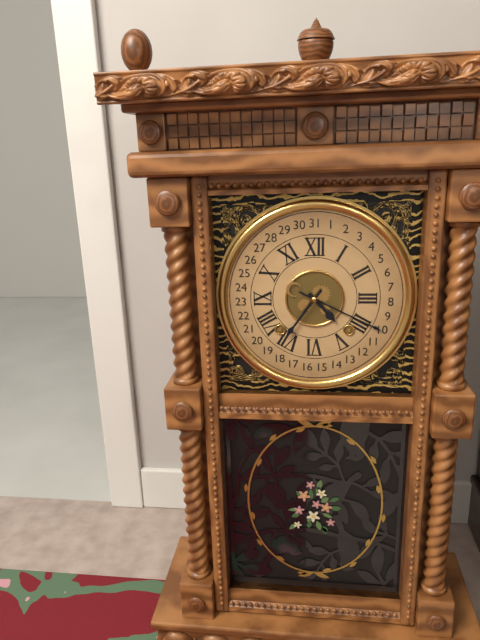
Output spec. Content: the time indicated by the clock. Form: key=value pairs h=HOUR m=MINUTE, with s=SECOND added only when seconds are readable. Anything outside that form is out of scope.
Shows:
h=4 m=36
